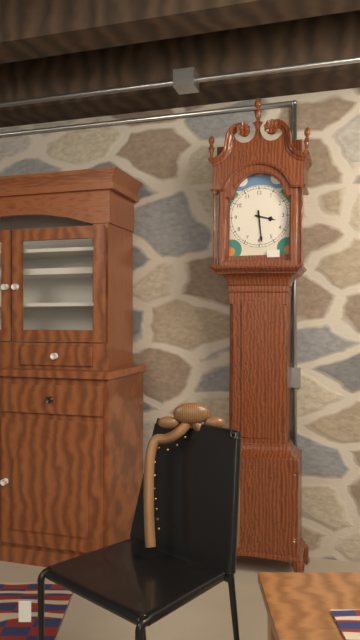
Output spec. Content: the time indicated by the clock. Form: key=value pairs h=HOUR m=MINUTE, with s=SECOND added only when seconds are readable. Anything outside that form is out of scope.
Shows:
h=3 m=29
